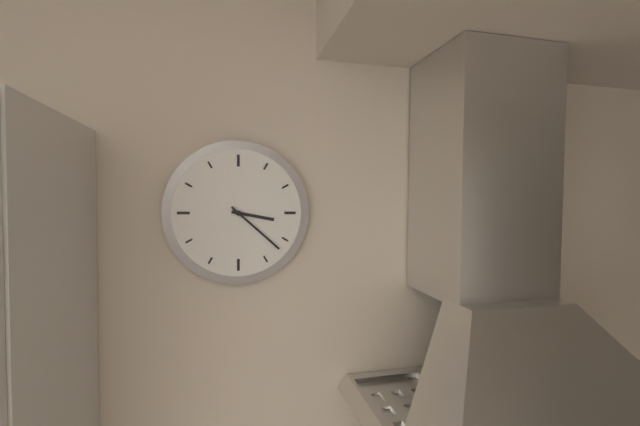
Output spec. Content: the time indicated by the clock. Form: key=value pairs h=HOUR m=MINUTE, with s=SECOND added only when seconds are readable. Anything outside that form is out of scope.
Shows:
h=3 m=22
